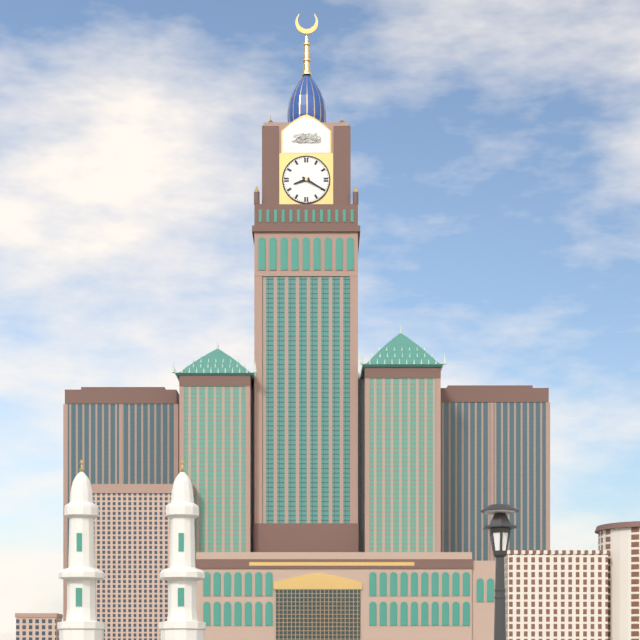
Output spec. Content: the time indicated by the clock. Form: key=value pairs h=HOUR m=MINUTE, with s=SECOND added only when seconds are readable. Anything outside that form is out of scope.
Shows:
h=8 m=20
